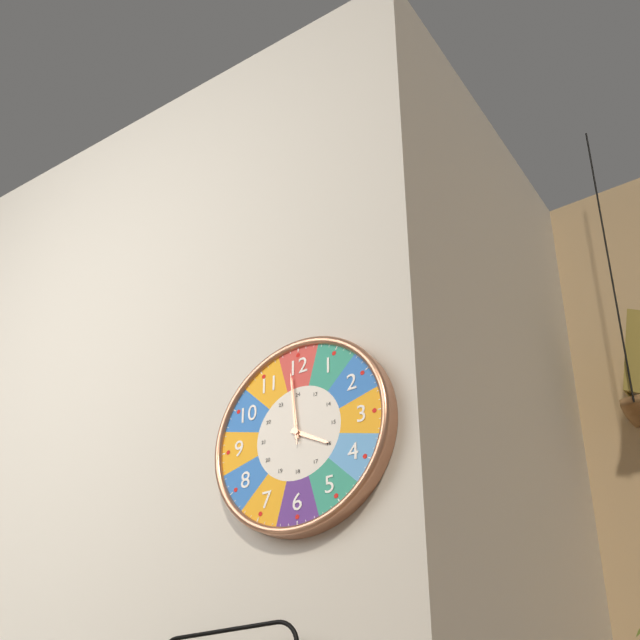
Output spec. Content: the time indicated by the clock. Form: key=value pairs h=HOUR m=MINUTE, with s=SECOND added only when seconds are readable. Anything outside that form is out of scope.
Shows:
h=3 m=59 s=59
